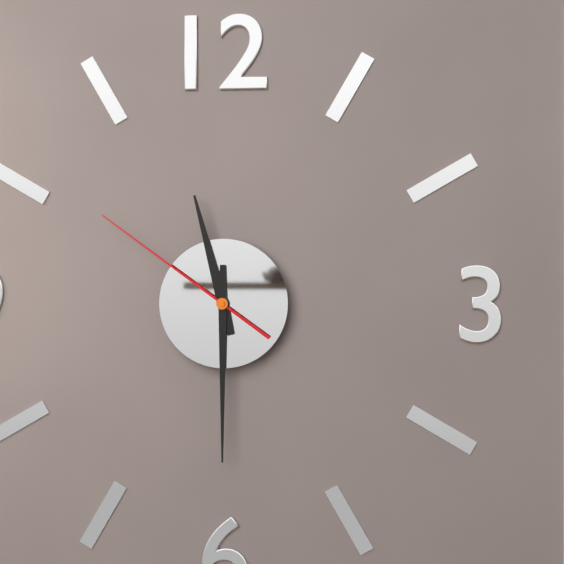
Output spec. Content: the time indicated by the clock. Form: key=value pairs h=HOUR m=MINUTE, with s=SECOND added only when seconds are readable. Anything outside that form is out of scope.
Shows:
h=11 m=30 s=51
